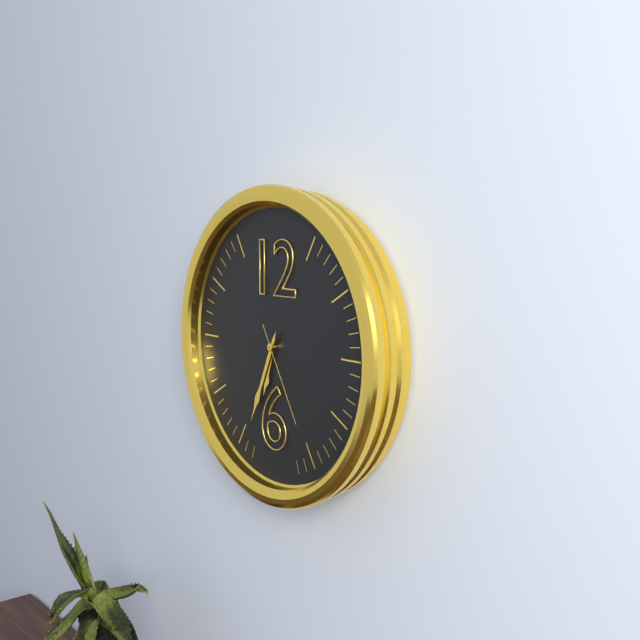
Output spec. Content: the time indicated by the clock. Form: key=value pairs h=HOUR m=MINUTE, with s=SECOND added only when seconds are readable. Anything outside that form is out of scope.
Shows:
h=6 m=34 s=25
